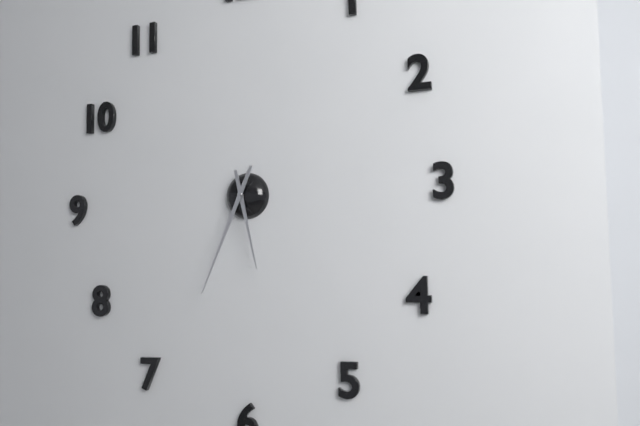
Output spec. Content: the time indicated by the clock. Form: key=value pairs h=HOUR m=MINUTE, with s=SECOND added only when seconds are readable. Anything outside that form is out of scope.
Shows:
h=5 m=34
